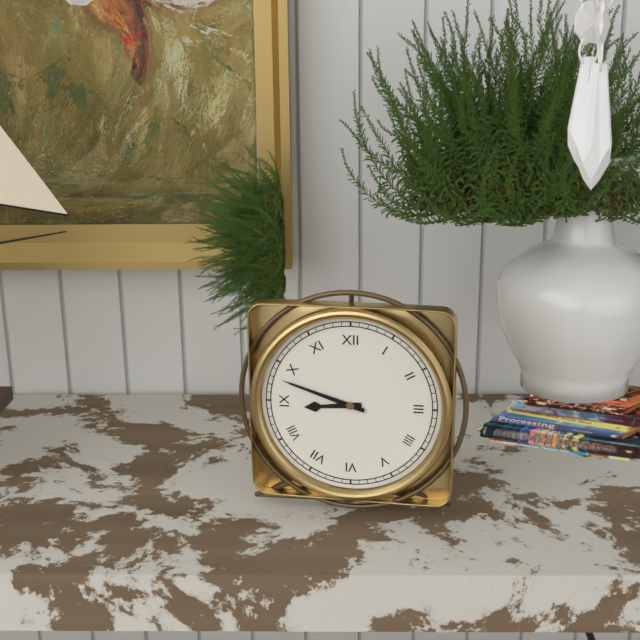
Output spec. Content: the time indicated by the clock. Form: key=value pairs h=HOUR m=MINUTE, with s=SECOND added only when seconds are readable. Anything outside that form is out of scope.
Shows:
h=8 m=48
